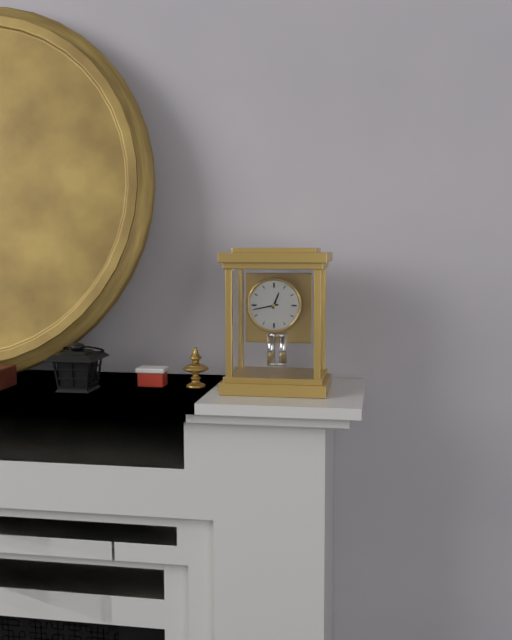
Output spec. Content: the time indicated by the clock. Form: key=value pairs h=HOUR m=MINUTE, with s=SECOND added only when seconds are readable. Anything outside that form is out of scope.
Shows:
h=12 m=43
